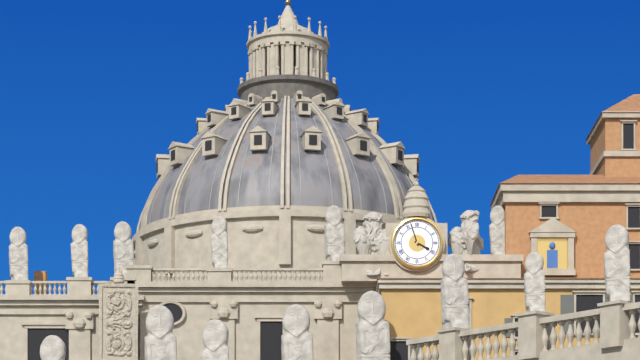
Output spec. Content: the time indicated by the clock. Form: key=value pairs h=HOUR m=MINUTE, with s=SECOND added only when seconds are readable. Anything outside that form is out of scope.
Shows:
h=3 m=57
